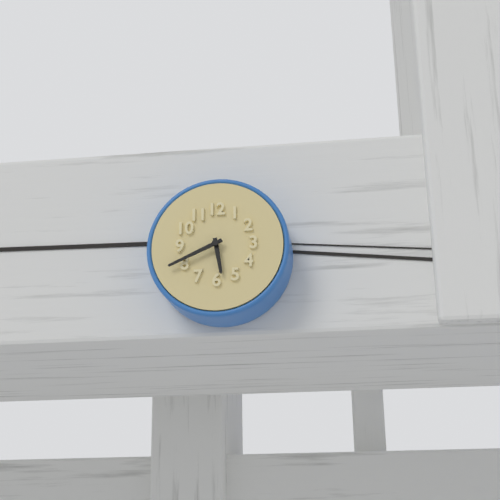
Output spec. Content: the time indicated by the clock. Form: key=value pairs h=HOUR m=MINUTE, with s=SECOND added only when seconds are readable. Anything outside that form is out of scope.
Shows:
h=5 m=41
